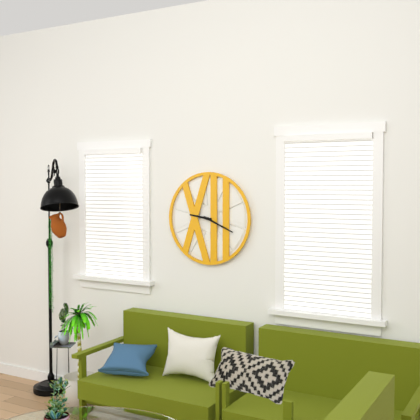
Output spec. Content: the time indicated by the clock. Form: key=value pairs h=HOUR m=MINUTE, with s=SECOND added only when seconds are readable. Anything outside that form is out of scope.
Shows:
h=9 m=19
